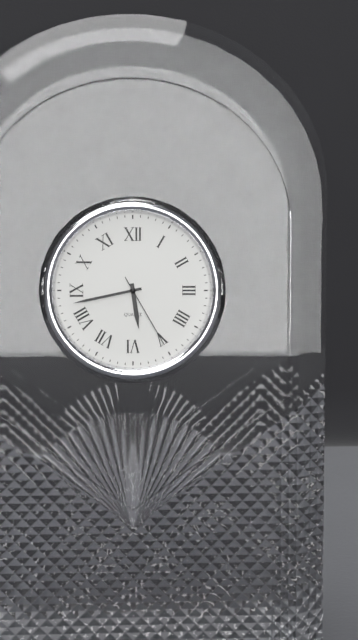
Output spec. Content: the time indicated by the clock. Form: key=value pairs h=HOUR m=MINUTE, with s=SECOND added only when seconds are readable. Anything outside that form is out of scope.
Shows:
h=5 m=43 s=25
